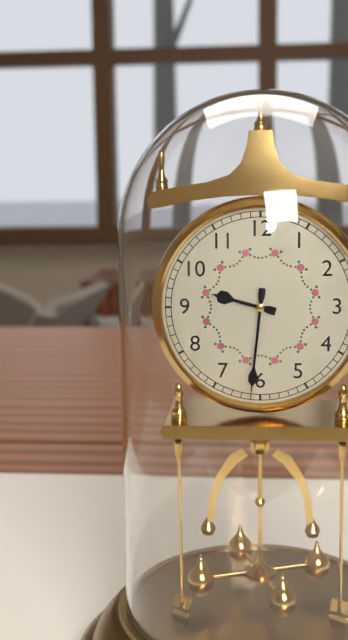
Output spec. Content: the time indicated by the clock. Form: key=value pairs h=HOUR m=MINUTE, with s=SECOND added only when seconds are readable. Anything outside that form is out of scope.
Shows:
h=9 m=31
